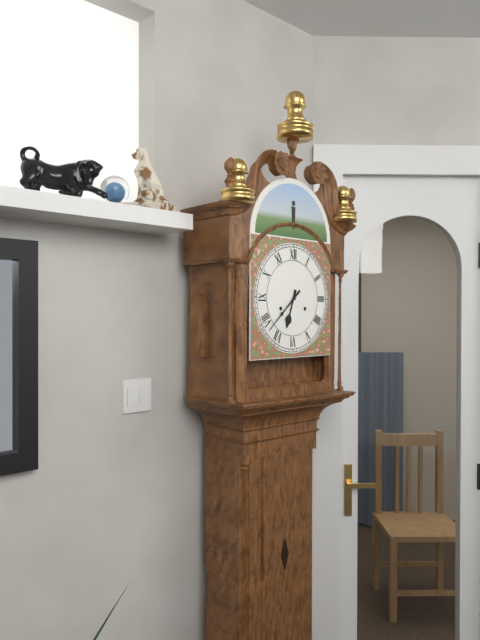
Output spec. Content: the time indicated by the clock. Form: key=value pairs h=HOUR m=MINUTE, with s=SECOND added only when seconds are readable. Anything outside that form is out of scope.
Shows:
h=6 m=38
